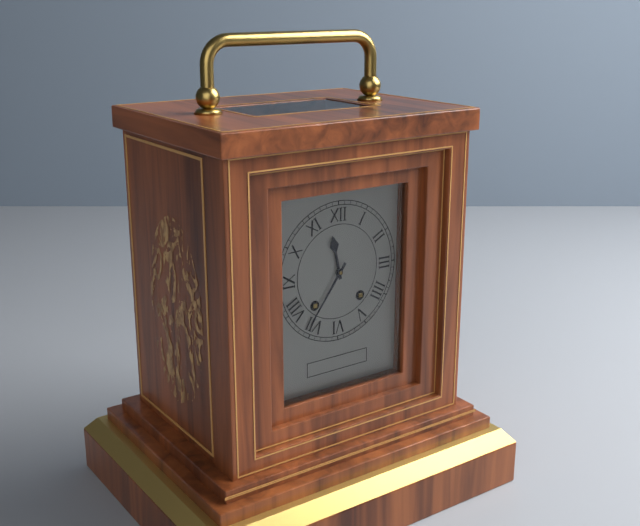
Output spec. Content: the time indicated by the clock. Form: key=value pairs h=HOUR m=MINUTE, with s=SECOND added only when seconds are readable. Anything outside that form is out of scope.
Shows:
h=11 m=36
